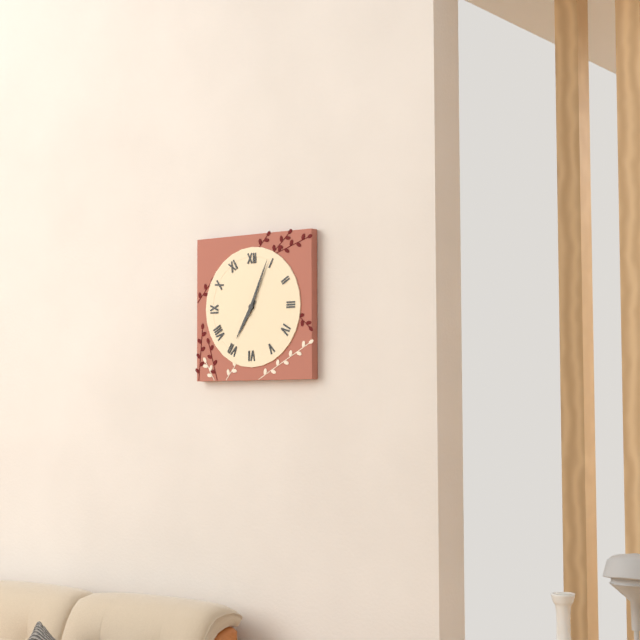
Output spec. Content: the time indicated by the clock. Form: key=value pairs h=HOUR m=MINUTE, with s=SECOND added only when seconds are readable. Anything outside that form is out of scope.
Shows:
h=7 m=4
